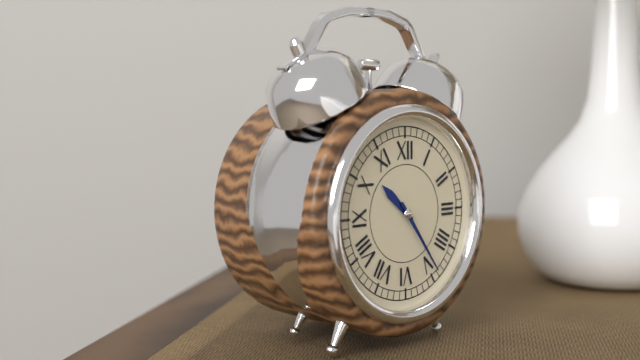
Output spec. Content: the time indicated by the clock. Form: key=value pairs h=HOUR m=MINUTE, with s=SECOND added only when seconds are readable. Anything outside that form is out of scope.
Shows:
h=10 m=24
